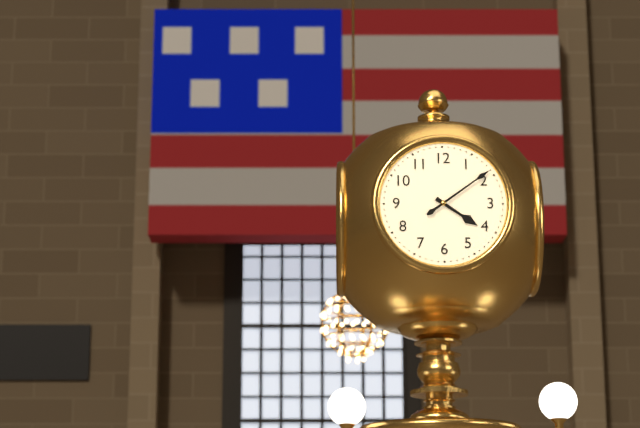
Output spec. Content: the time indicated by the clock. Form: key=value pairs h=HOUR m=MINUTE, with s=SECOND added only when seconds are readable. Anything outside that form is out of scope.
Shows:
h=4 m=9
